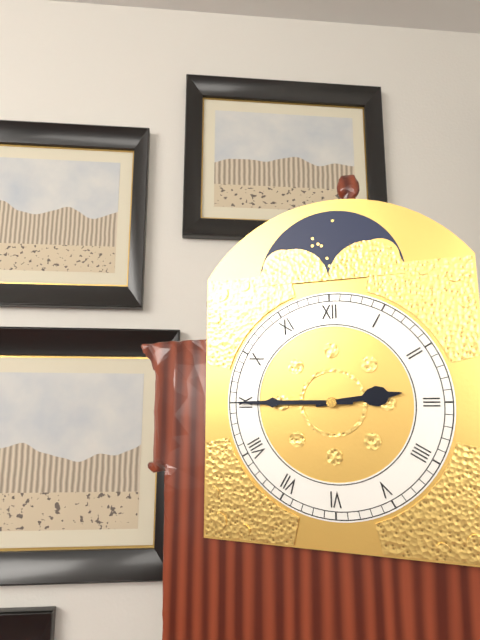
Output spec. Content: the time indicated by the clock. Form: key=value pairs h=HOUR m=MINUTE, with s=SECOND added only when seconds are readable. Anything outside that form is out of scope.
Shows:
h=2 m=45
